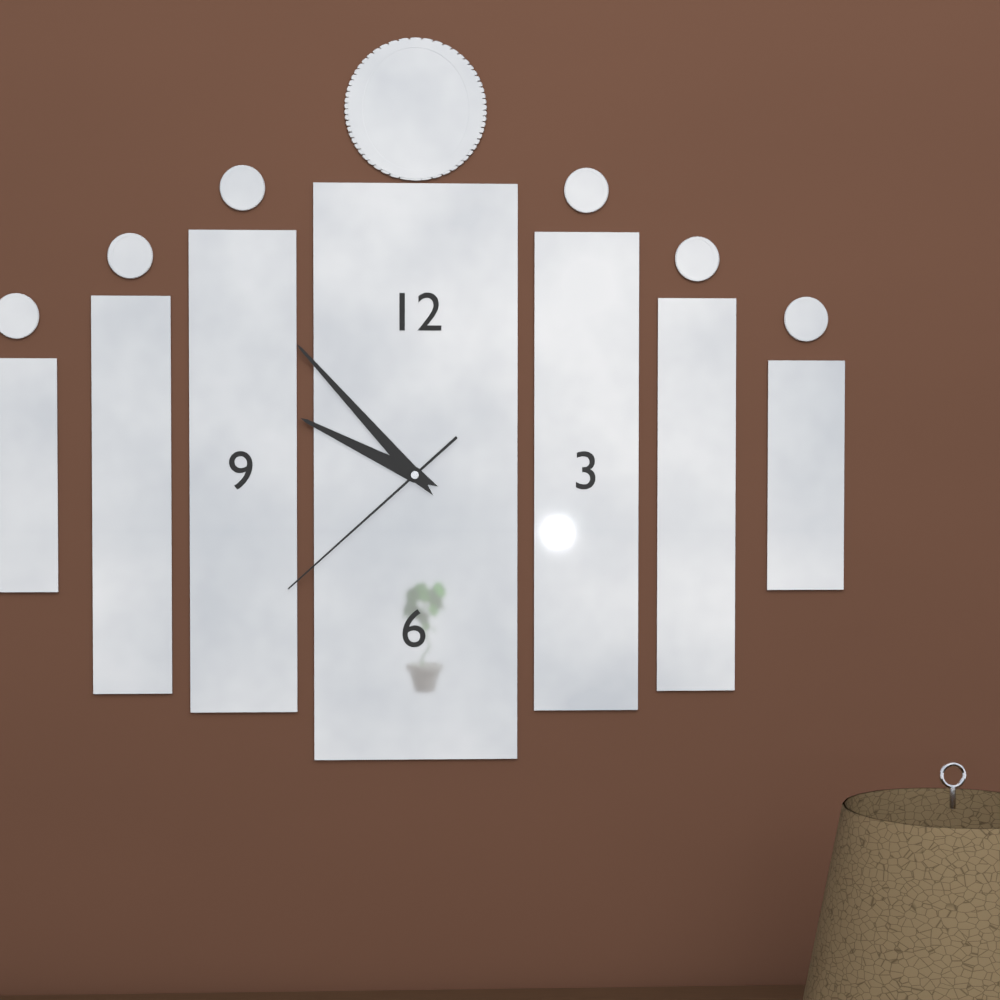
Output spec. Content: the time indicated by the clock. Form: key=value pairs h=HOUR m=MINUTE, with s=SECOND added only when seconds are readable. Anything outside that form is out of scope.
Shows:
h=9 m=53 s=38
